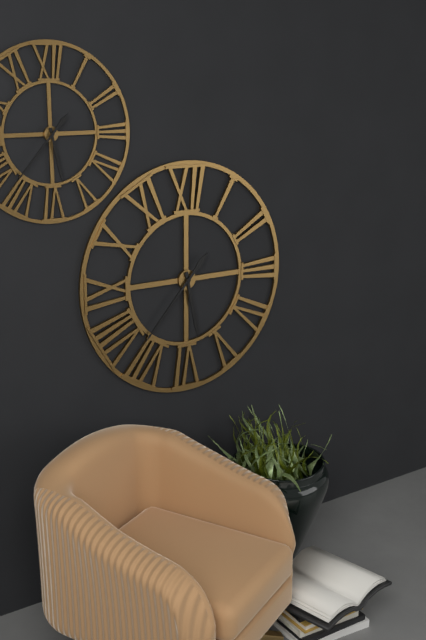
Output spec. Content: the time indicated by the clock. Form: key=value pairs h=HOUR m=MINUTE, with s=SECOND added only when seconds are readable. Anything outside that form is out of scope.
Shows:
h=5 m=37
